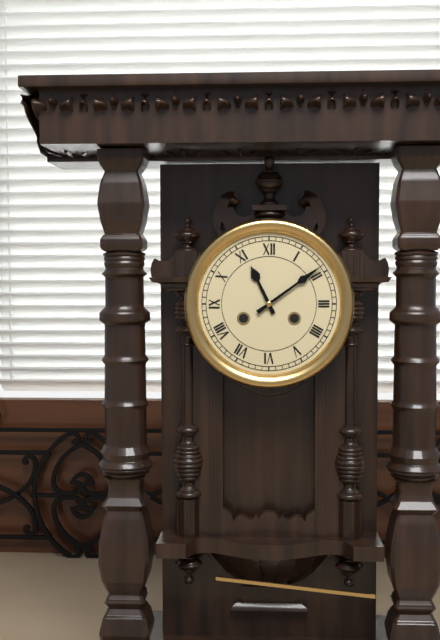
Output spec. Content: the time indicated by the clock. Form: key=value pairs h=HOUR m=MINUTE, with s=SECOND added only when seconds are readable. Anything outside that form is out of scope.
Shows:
h=11 m=9
